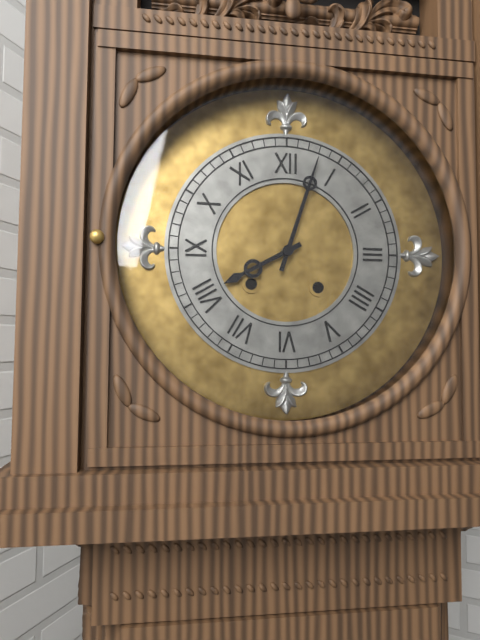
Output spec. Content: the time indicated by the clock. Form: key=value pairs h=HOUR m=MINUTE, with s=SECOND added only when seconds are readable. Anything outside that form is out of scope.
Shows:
h=8 m=3
